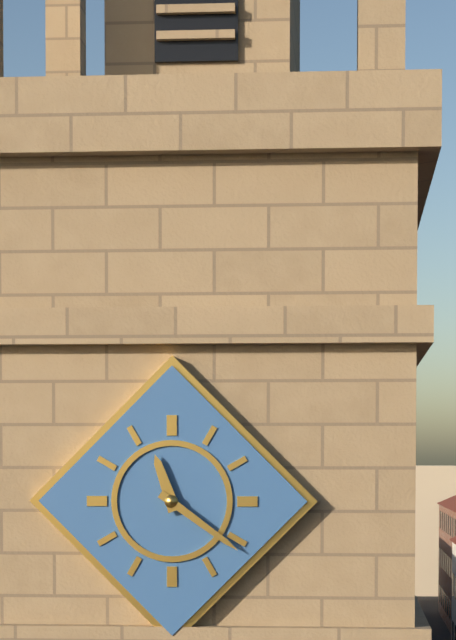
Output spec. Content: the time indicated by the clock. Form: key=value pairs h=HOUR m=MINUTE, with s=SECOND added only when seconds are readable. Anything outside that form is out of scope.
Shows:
h=11 m=21
